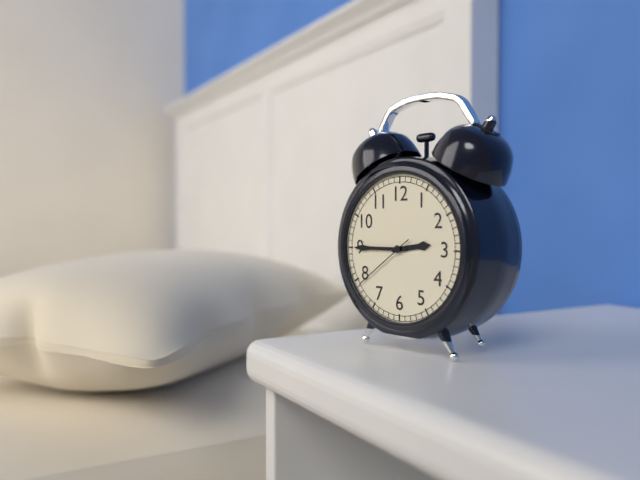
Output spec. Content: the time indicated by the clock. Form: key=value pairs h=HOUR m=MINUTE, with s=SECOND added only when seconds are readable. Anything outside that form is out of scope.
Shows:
h=2 m=45 s=39
